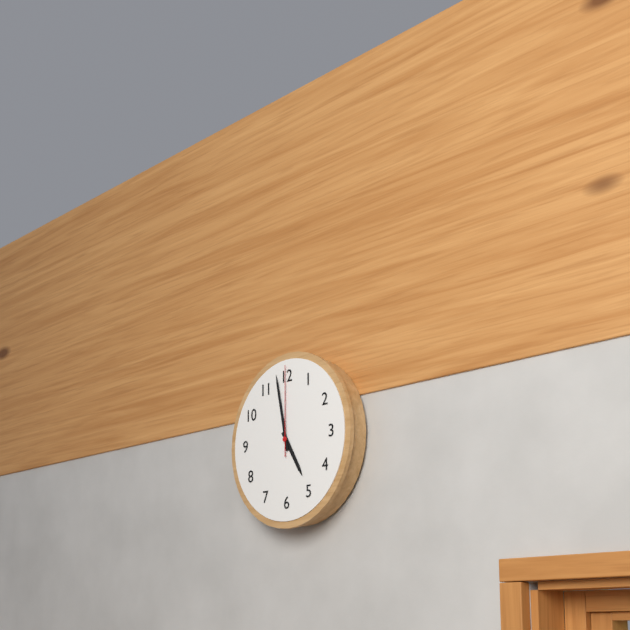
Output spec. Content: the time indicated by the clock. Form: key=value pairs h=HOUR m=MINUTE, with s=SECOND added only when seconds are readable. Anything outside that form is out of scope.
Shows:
h=4 m=58 s=0
